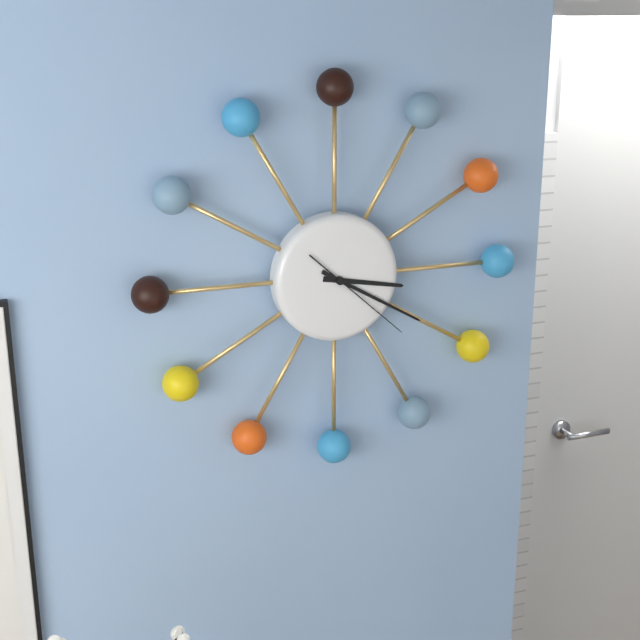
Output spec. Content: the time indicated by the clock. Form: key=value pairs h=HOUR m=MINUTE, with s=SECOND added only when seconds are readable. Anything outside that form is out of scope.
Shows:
h=3 m=20 s=22
